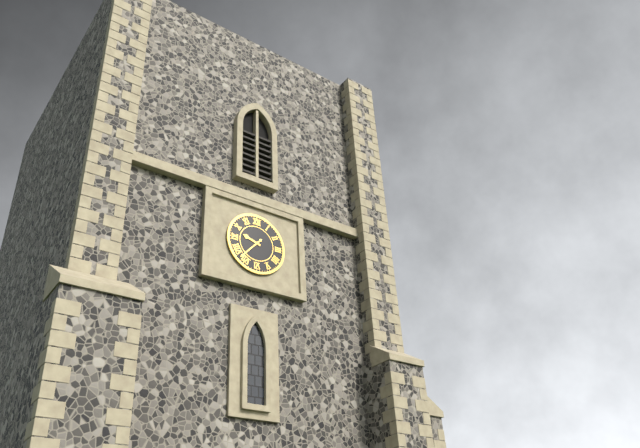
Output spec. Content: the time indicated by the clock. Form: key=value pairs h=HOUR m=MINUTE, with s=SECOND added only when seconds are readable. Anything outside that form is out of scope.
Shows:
h=9 m=37
